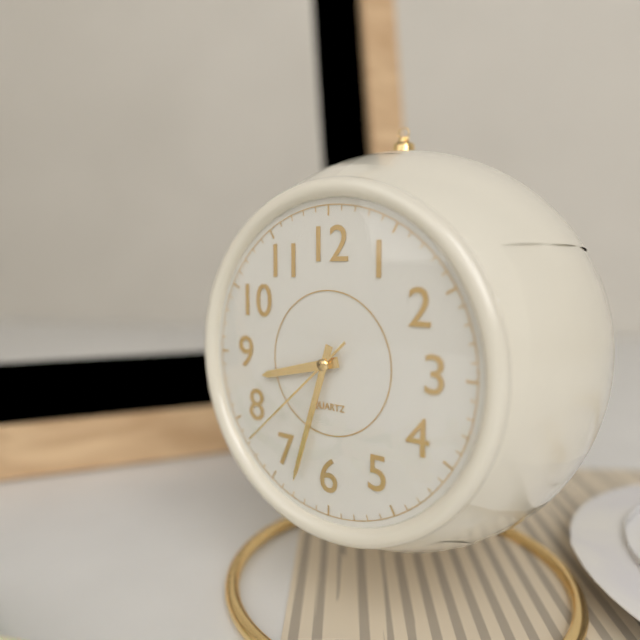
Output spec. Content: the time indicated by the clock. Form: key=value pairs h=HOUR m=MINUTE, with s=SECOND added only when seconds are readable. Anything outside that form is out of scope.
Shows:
h=8 m=33 s=38
